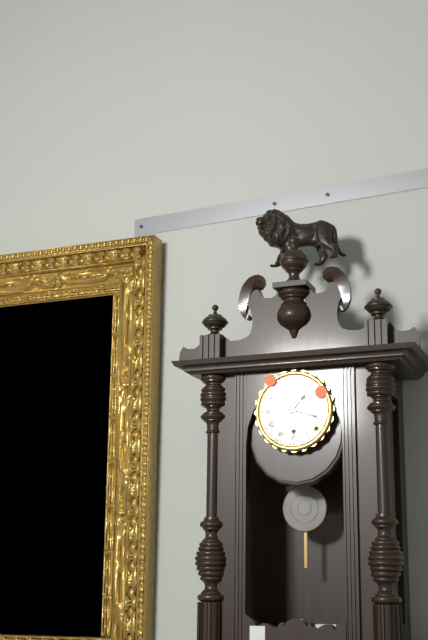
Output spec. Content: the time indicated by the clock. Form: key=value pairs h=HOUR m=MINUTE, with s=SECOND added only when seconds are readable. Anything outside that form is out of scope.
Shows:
h=1 m=18
